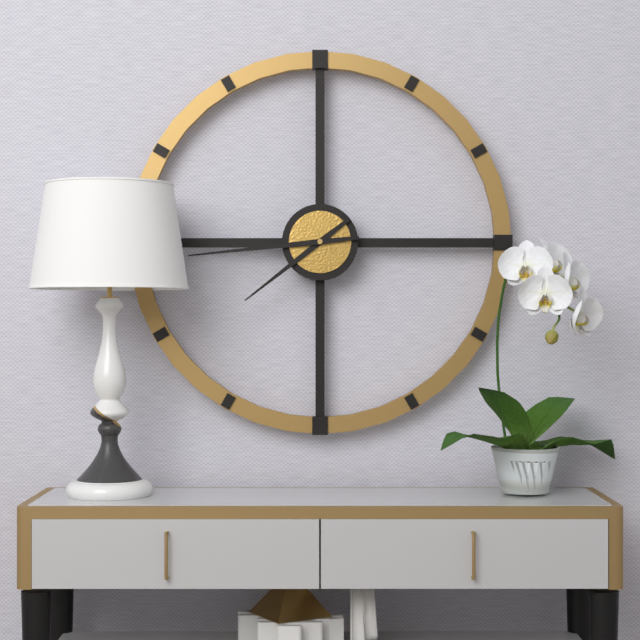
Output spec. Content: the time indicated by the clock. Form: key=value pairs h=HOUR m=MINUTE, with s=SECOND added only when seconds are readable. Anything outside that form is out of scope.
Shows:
h=7 m=44
